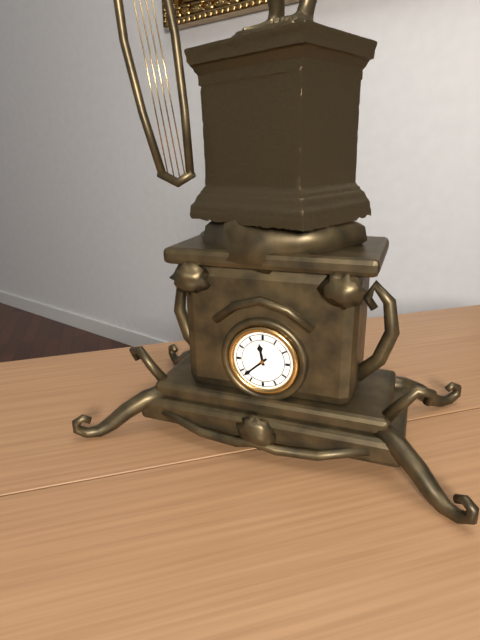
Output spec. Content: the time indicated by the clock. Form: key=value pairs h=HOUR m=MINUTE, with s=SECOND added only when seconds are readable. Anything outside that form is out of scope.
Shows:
h=11 m=38
